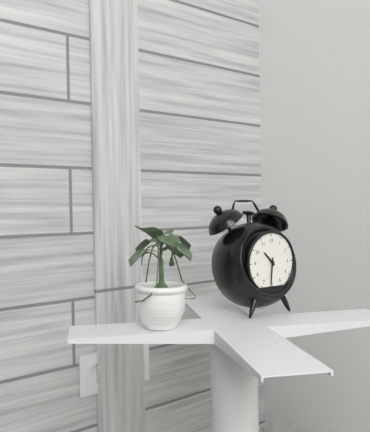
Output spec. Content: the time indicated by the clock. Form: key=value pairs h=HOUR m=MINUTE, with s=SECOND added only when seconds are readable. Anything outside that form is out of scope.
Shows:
h=10 m=31
